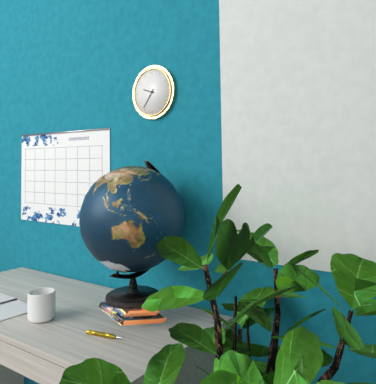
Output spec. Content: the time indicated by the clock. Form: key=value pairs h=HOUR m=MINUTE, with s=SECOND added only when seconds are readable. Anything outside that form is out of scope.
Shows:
h=9 m=36
